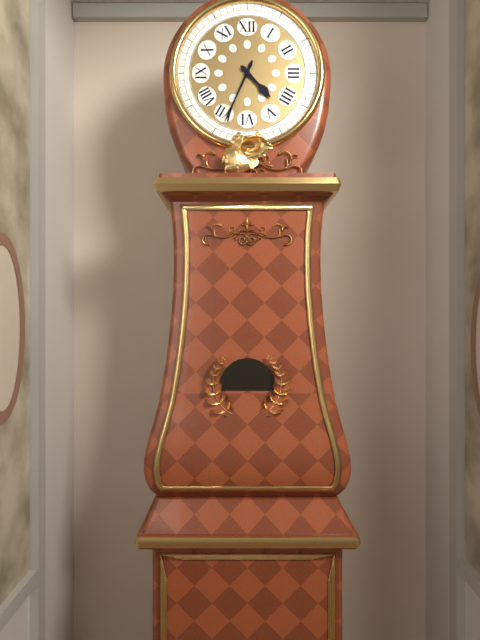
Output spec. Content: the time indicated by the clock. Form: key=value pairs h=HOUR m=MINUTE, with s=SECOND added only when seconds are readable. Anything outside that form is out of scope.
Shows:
h=4 m=34
